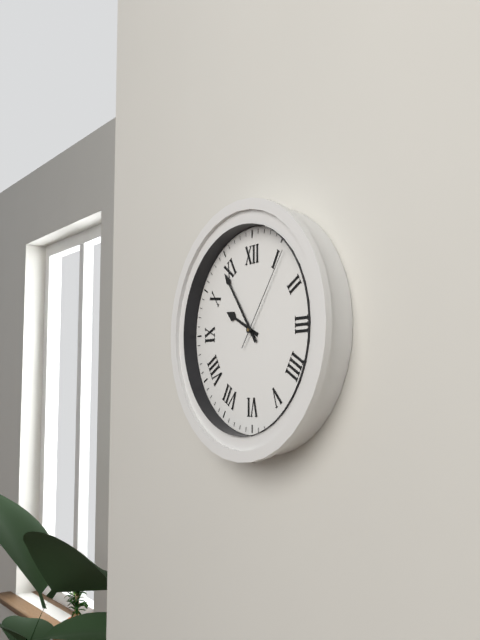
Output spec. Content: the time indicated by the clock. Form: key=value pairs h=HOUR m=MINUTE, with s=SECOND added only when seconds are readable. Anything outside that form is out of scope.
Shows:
h=9 m=54 s=6
